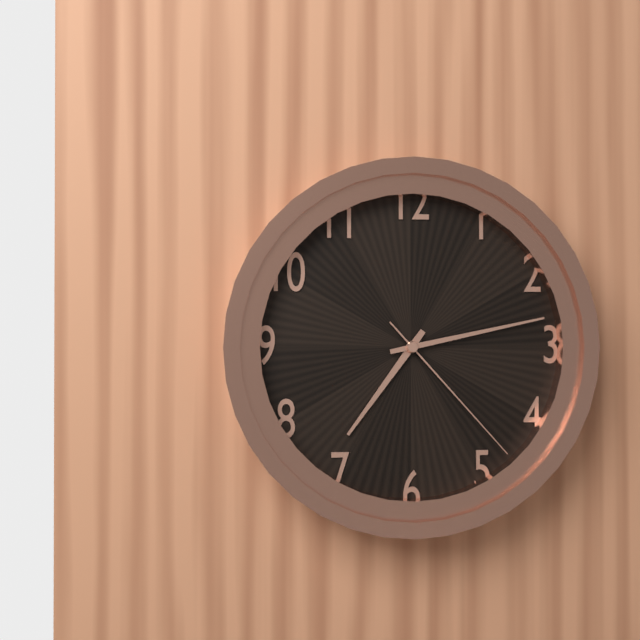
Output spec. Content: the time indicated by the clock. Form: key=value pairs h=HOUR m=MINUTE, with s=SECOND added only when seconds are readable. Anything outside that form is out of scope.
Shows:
h=7 m=13 s=23
